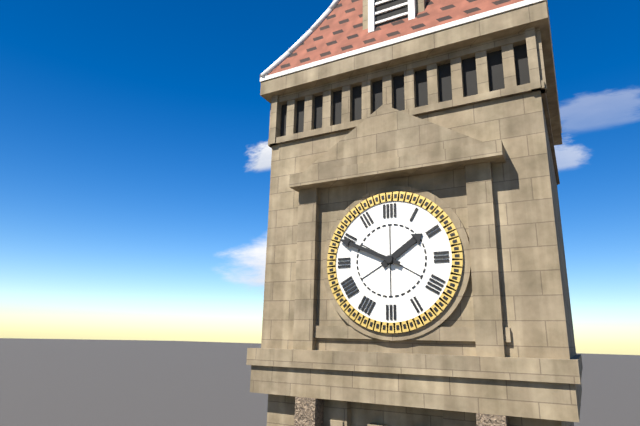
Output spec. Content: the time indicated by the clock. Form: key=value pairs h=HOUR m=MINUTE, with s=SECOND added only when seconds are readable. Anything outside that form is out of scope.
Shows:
h=1 m=49
